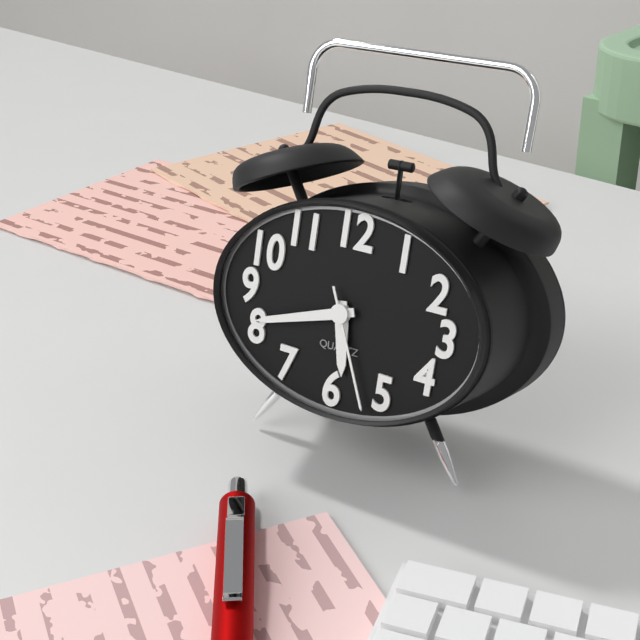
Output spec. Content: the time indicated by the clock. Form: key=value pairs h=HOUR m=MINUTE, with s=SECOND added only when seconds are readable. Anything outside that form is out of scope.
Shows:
h=5 m=42 s=26
